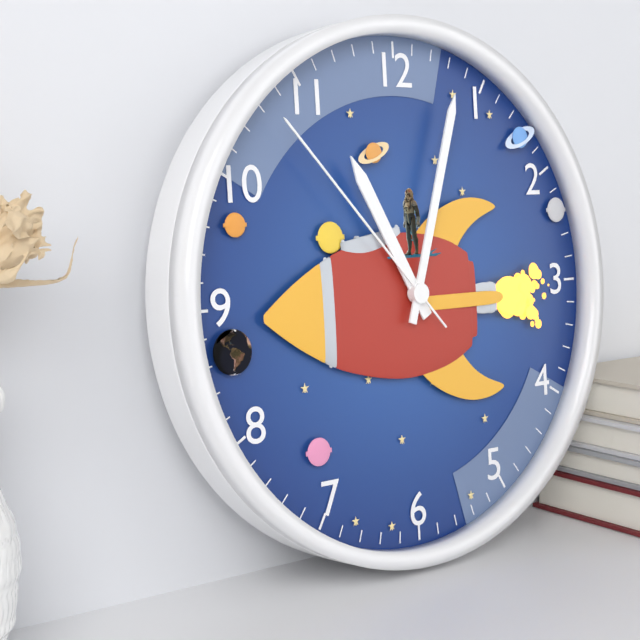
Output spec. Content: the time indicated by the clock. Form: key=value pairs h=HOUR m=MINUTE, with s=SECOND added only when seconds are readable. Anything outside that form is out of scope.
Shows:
h=11 m=3 s=53
